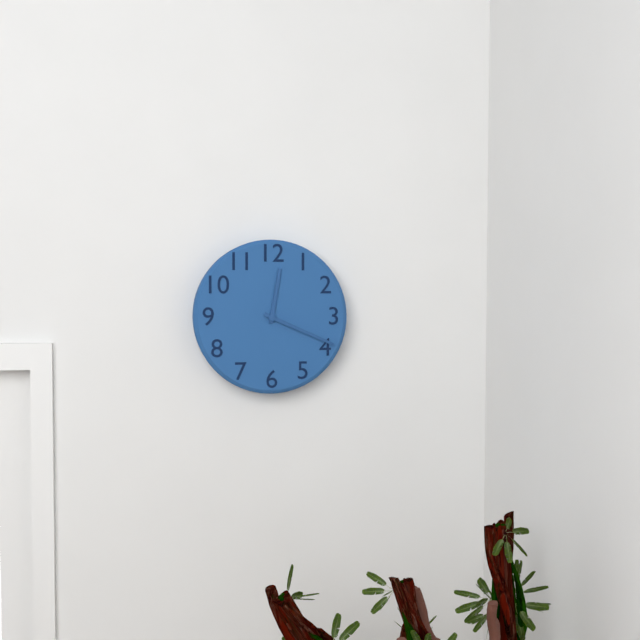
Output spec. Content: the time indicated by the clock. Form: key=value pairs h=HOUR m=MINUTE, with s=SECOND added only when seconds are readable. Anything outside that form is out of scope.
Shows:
h=12 m=19
